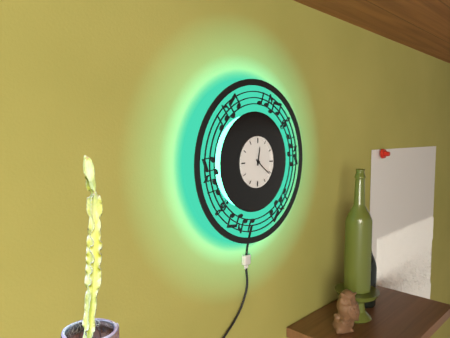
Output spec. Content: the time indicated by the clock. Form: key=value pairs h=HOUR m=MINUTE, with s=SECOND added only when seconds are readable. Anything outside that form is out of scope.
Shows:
h=12 m=21
